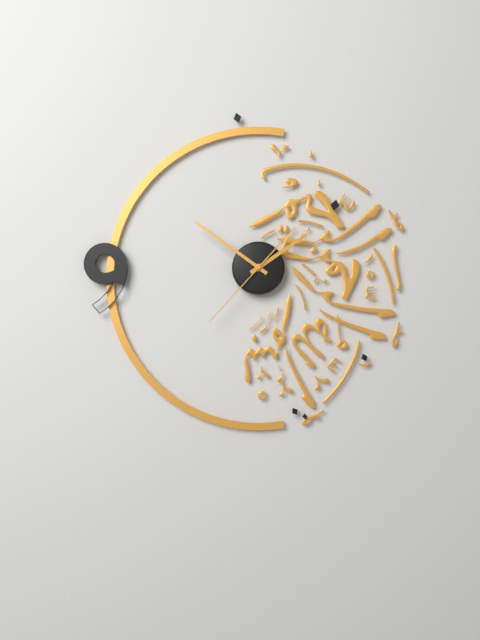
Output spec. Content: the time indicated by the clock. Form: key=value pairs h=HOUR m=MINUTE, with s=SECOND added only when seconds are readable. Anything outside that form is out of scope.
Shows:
h=1 m=51 s=37
